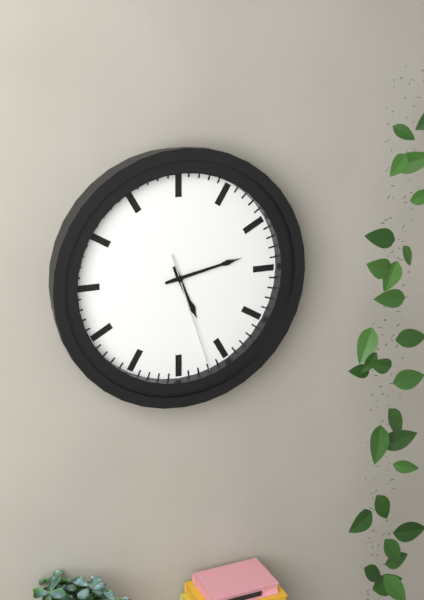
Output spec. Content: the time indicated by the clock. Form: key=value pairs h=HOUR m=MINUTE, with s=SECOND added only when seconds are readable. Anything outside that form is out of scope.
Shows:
h=5 m=13 s=27
